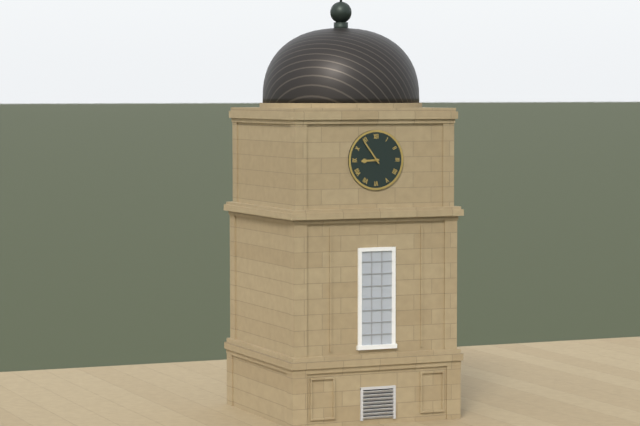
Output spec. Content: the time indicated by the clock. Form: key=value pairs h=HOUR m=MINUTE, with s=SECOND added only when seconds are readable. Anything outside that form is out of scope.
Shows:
h=8 m=54
